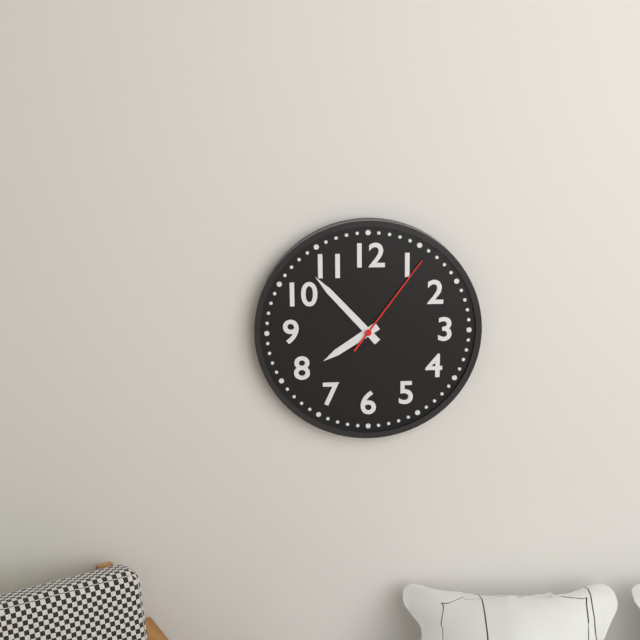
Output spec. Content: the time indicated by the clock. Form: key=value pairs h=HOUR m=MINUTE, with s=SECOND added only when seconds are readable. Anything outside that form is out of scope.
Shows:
h=7 m=53 s=6
